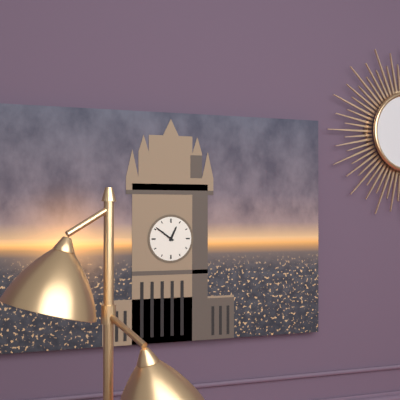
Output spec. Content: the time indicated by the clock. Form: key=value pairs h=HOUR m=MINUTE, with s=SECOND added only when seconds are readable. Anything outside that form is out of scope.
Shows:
h=12 m=51
